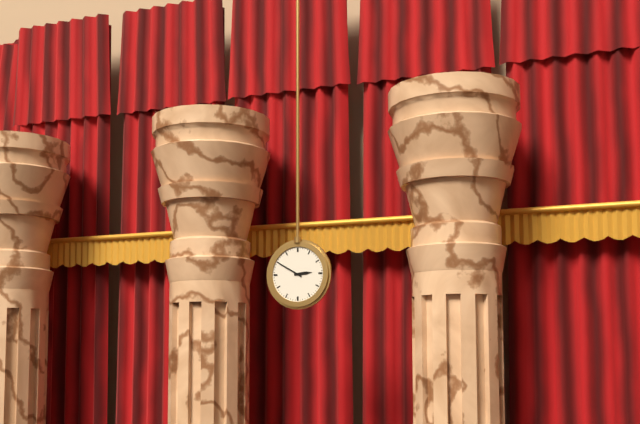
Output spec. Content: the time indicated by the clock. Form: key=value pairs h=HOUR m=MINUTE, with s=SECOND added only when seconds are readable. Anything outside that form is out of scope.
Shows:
h=2 m=50
